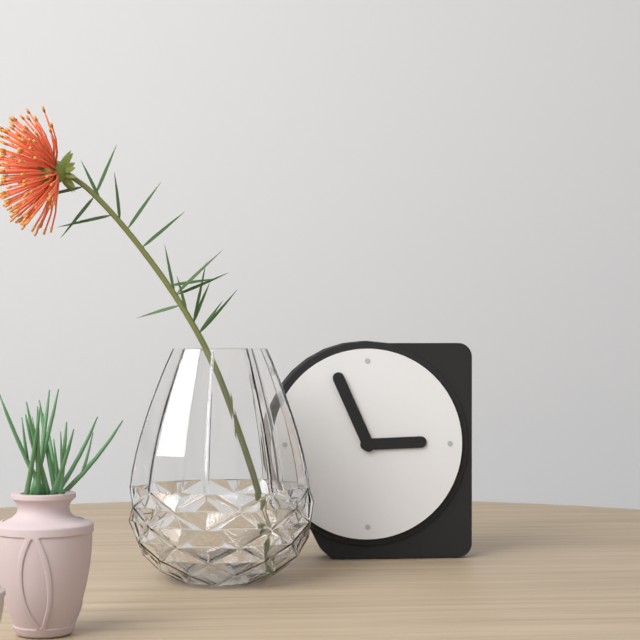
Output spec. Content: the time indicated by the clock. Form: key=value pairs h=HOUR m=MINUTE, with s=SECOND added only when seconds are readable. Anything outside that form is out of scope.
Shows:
h=2 m=56
